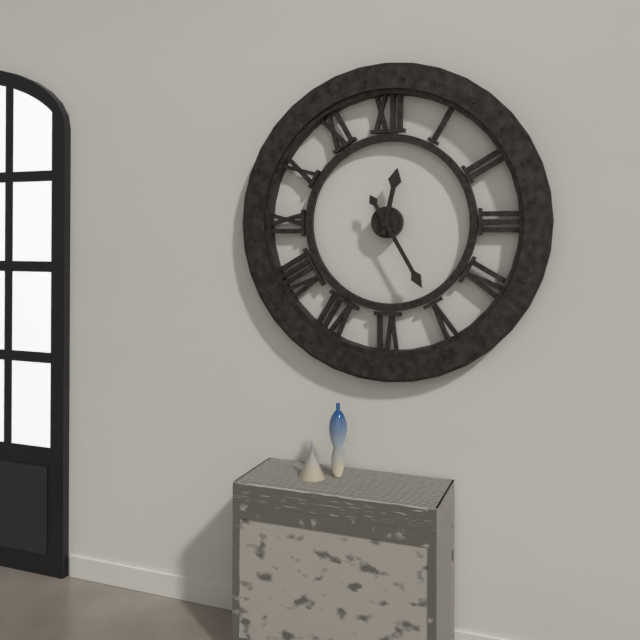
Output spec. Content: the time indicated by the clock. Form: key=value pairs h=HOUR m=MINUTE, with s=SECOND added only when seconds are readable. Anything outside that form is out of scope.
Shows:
h=12 m=25
